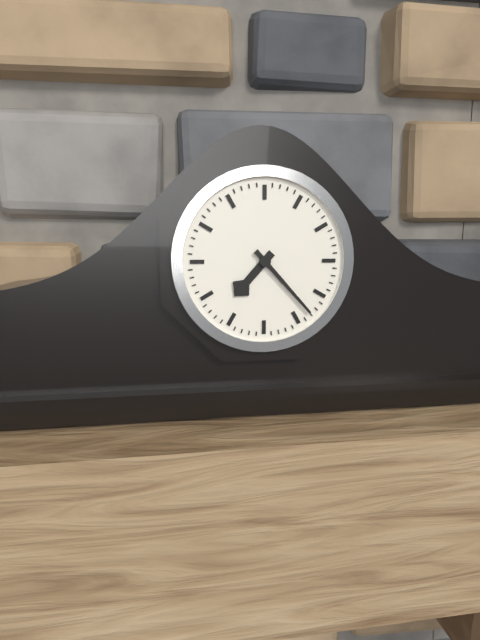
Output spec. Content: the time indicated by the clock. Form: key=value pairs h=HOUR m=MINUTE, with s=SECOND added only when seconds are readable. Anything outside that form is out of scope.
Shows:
h=7 m=23
